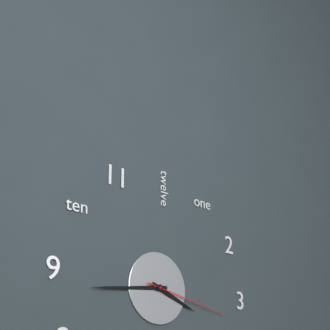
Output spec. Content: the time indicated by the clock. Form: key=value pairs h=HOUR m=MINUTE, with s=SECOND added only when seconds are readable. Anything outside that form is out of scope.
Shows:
h=3 m=44 s=17
